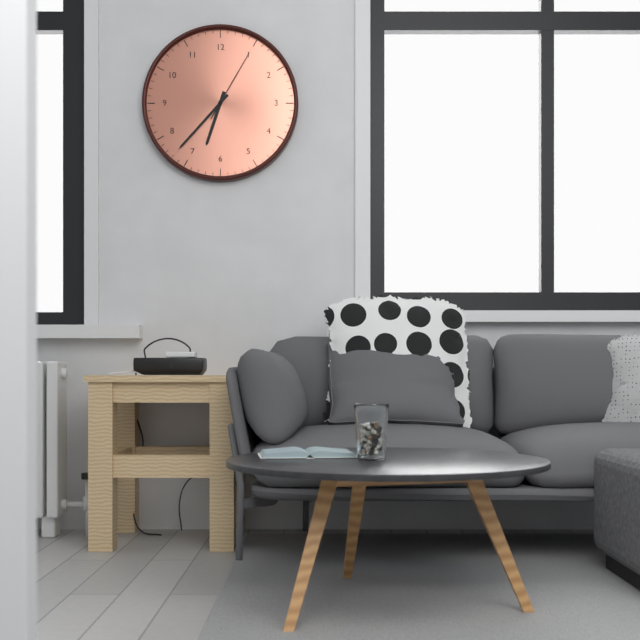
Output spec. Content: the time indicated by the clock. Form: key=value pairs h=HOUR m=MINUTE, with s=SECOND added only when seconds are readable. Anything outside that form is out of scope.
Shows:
h=6 m=37 s=5
